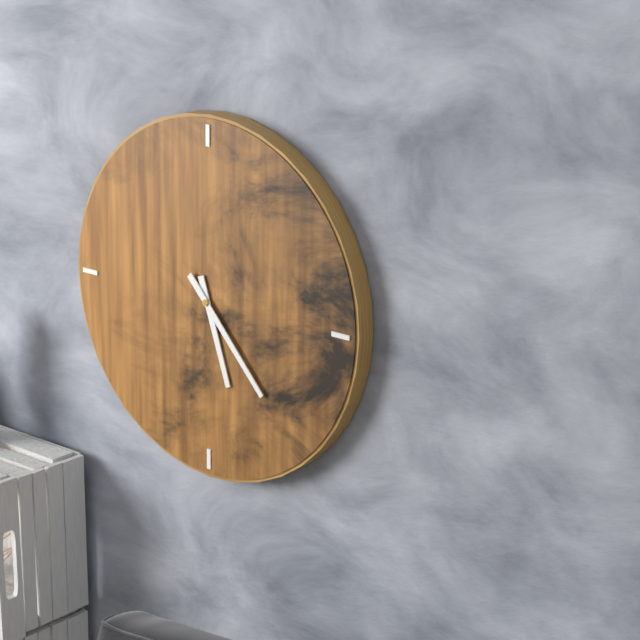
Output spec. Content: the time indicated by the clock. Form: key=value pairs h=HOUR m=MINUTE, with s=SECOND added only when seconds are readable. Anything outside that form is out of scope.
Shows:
h=5 m=23
